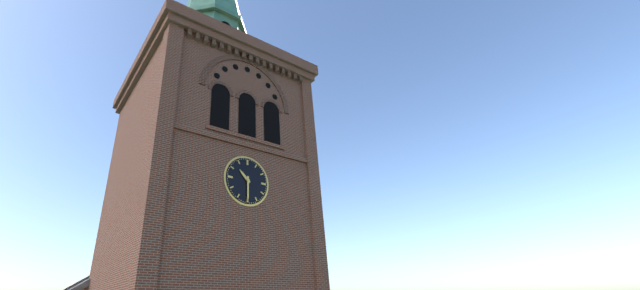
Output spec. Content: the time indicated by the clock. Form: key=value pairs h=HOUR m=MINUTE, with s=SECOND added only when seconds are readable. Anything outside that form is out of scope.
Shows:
h=10 m=30
